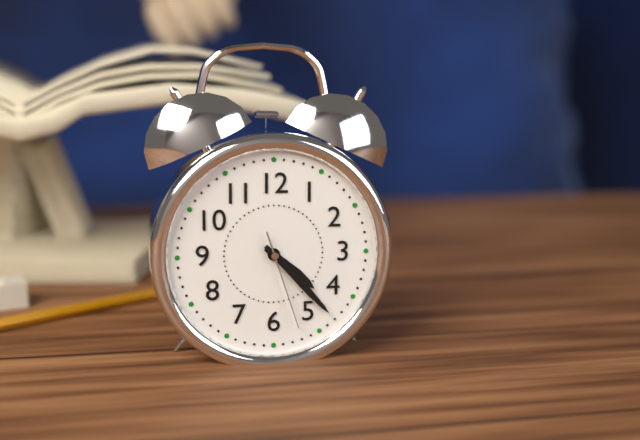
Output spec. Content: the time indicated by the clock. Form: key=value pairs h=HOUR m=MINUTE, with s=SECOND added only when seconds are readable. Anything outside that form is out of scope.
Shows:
h=4 m=23 s=27
